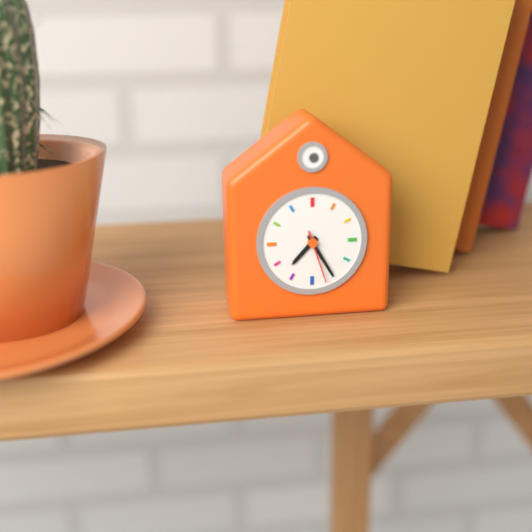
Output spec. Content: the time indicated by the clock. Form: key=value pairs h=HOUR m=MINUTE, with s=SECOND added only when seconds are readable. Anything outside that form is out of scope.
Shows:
h=7 m=25 s=27
